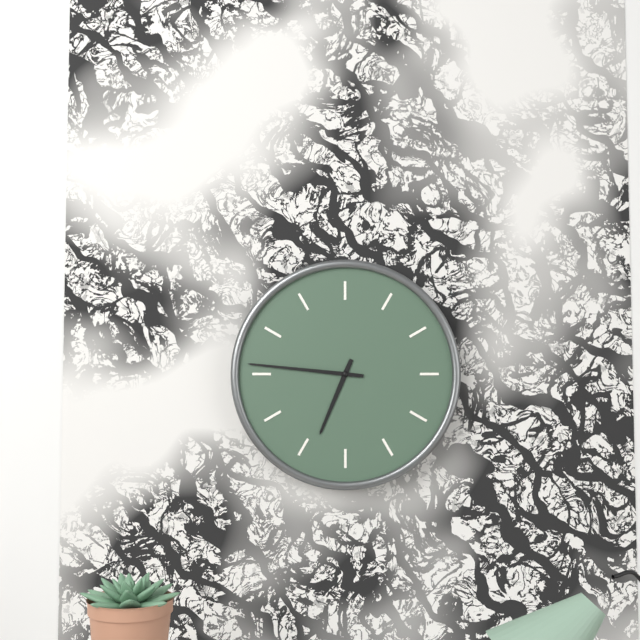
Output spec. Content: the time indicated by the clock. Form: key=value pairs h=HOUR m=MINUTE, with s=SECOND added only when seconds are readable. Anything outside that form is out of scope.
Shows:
h=6 m=46
